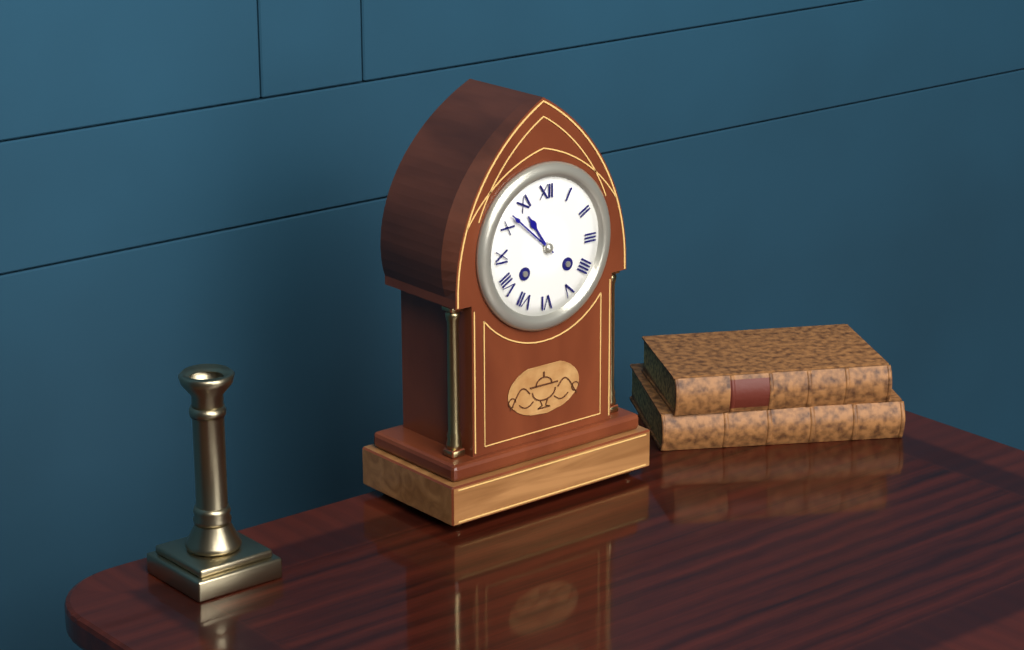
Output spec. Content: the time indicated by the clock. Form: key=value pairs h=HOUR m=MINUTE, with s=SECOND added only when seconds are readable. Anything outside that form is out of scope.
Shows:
h=10 m=52
